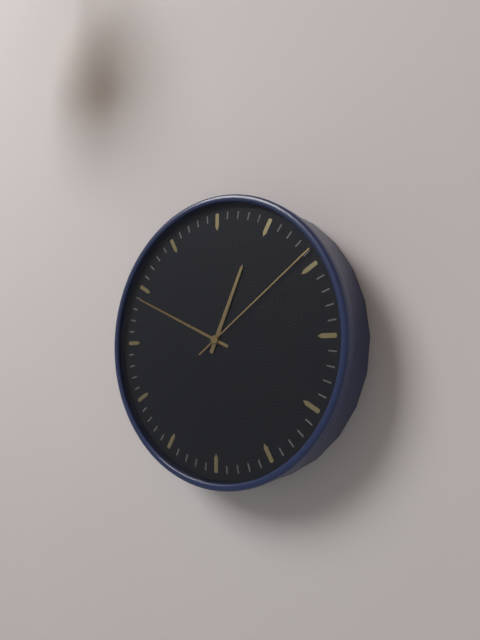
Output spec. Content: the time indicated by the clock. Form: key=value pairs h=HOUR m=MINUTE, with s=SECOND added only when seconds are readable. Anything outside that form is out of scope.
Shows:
h=12 m=49 s=9
